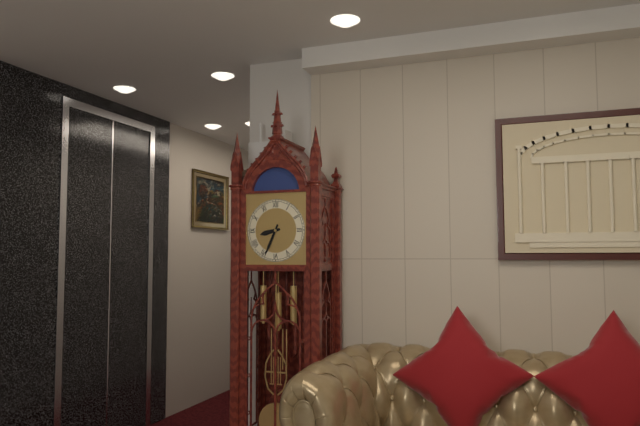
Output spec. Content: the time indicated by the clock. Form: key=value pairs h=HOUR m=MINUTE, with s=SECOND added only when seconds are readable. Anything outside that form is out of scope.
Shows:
h=8 m=34
